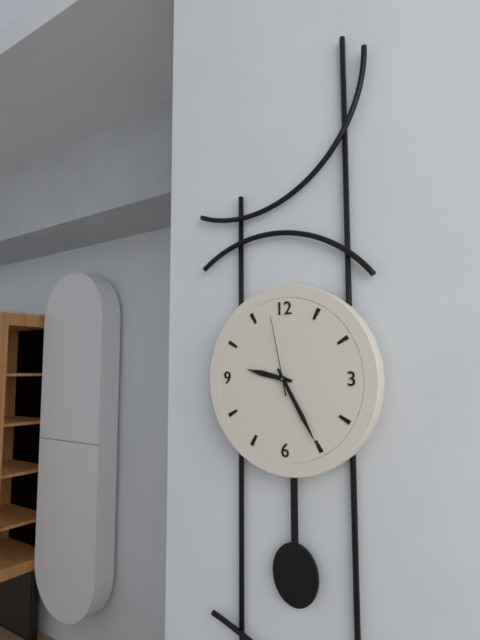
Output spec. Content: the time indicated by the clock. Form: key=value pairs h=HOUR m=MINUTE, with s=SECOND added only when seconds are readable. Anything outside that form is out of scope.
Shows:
h=9 m=25 s=58
